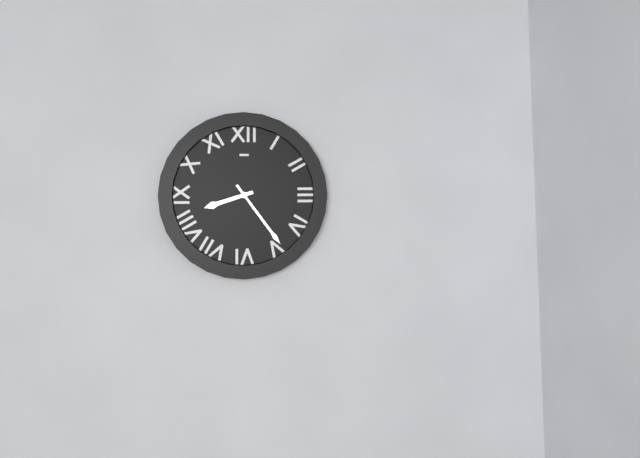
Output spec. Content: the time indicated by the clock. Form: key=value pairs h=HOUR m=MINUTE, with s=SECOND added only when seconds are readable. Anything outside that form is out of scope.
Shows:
h=8 m=24
